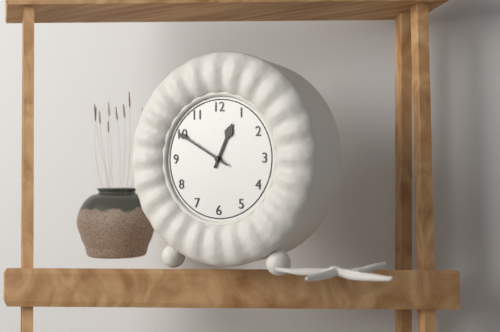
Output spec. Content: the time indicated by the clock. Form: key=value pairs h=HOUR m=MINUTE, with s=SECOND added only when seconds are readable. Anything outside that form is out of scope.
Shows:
h=12 m=50
